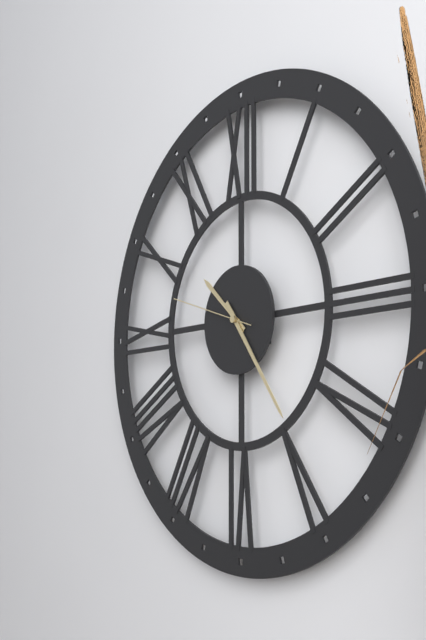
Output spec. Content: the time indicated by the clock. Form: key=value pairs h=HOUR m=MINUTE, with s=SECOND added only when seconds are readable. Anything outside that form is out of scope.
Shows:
h=10 m=24 s=48
